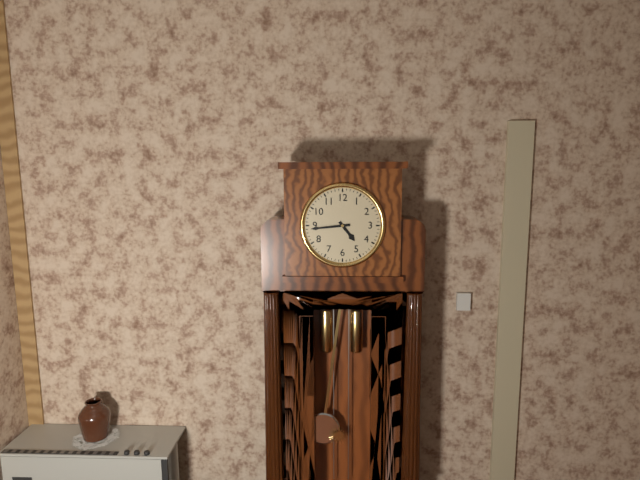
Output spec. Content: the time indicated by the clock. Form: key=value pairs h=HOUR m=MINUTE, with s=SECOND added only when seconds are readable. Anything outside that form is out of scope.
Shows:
h=4 m=44
